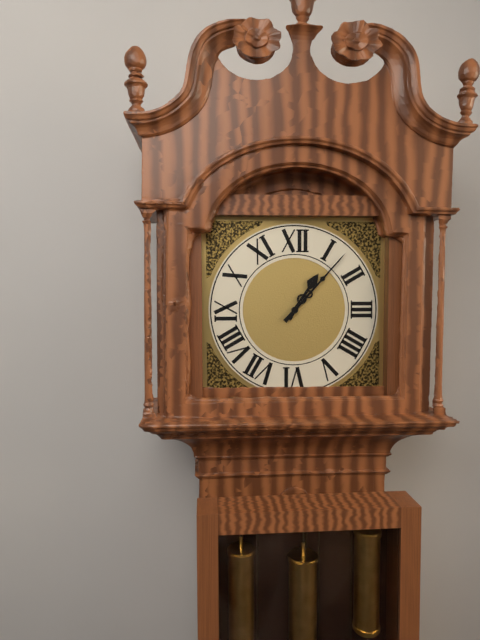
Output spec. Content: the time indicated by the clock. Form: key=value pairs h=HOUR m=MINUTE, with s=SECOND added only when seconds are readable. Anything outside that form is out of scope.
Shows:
h=1 m=7
